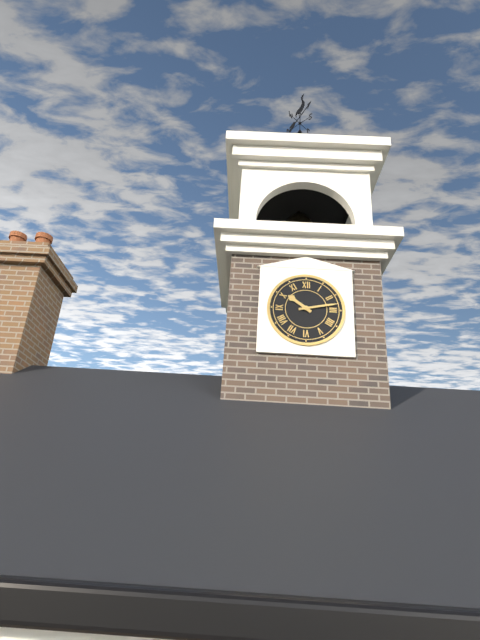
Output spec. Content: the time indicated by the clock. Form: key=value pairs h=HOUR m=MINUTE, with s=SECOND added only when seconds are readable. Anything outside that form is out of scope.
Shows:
h=10 m=13
